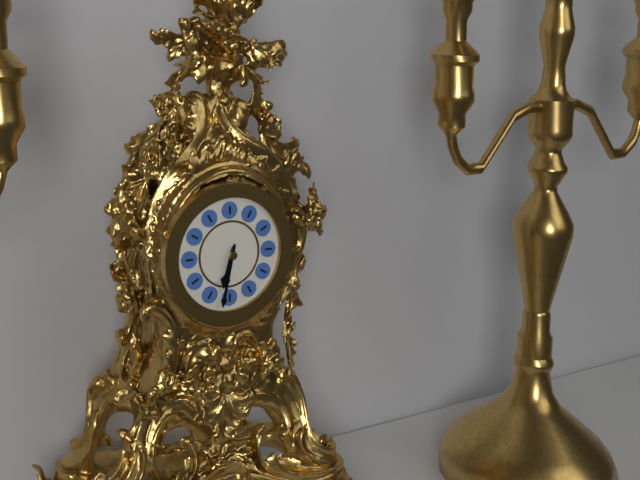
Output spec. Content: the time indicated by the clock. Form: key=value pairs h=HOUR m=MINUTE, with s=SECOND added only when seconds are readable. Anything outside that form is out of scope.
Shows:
h=6 m=32
